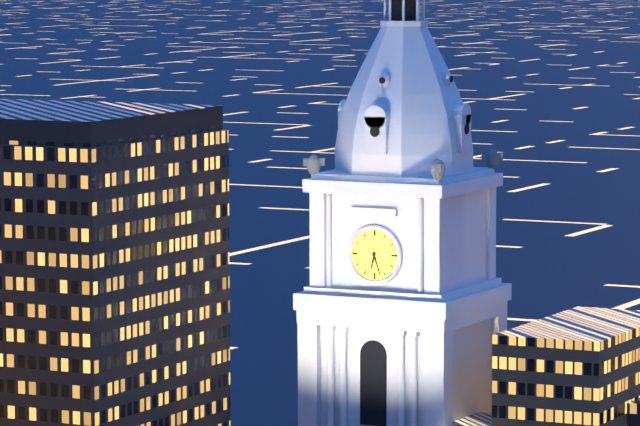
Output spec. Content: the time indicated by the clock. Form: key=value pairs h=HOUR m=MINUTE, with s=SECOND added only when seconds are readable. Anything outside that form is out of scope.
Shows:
h=6 m=27
